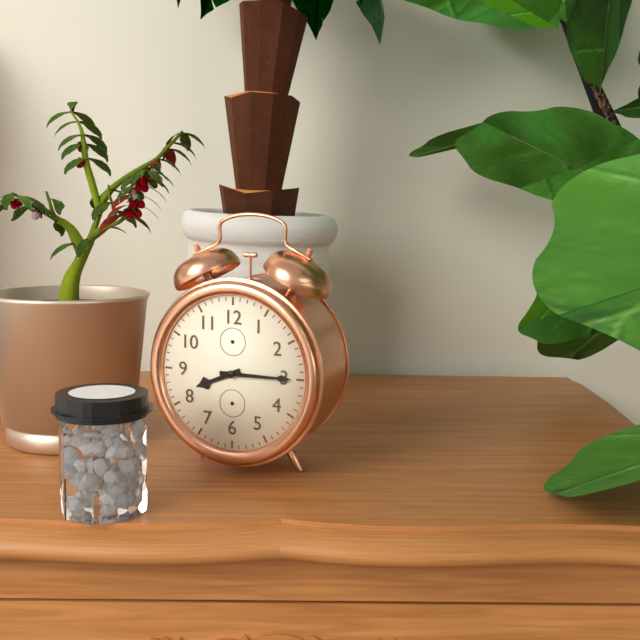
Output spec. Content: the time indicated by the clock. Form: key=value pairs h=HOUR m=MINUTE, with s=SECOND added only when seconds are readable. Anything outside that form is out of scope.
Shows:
h=8 m=15
